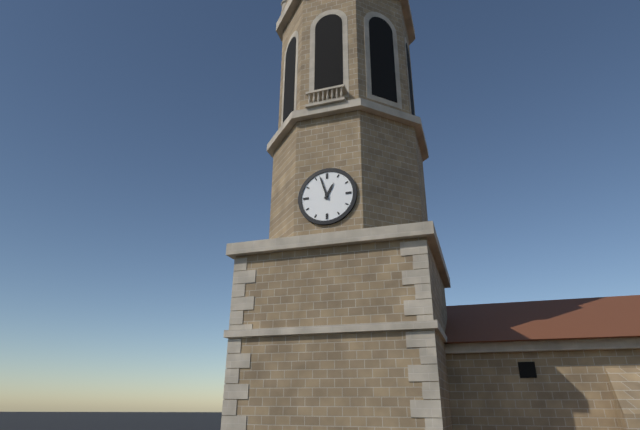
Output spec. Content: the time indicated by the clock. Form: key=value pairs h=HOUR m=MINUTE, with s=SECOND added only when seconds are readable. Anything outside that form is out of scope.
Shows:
h=12 m=57
